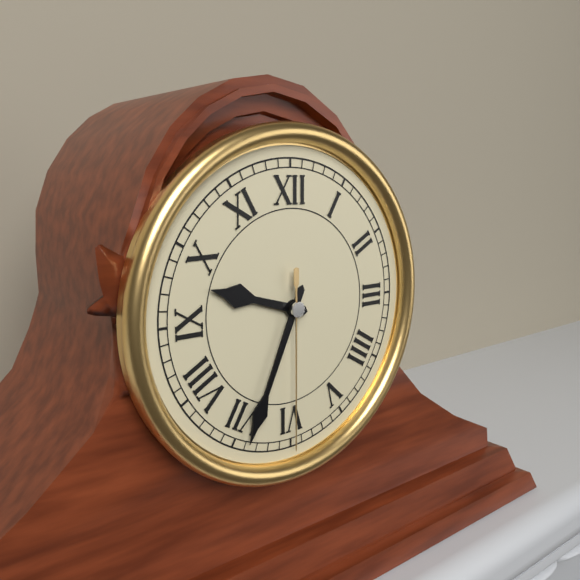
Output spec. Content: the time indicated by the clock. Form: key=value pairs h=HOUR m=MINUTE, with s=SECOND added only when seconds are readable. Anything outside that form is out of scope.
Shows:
h=9 m=34 s=30
